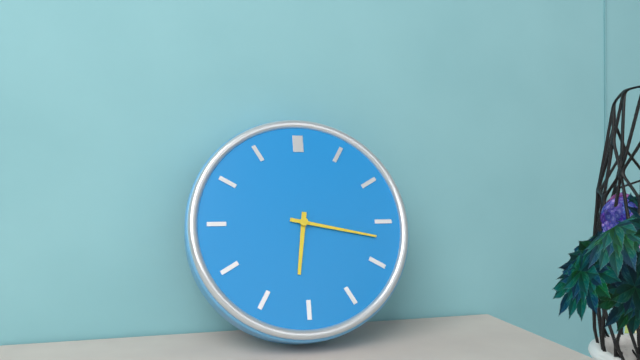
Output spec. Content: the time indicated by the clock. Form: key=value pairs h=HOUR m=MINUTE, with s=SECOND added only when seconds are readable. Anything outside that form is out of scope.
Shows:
h=6 m=17
